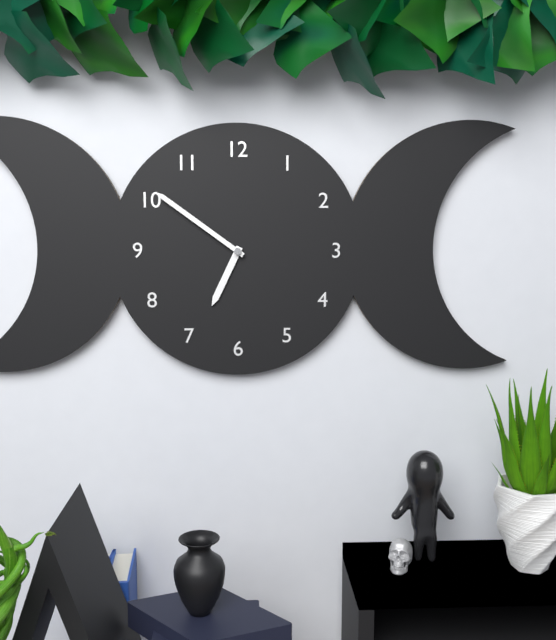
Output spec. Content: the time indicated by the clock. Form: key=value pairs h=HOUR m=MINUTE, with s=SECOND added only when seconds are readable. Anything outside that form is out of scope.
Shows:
h=6 m=51
